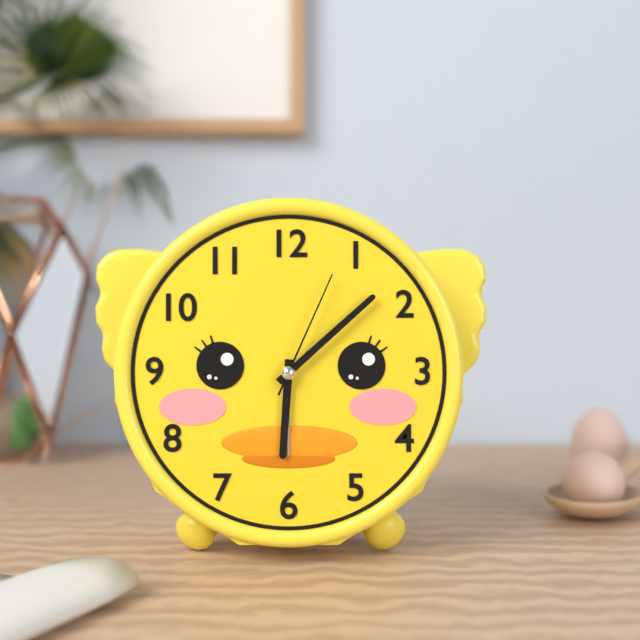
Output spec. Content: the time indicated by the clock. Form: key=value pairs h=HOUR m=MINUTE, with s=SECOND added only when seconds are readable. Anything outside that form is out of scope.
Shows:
h=6 m=8 s=4
